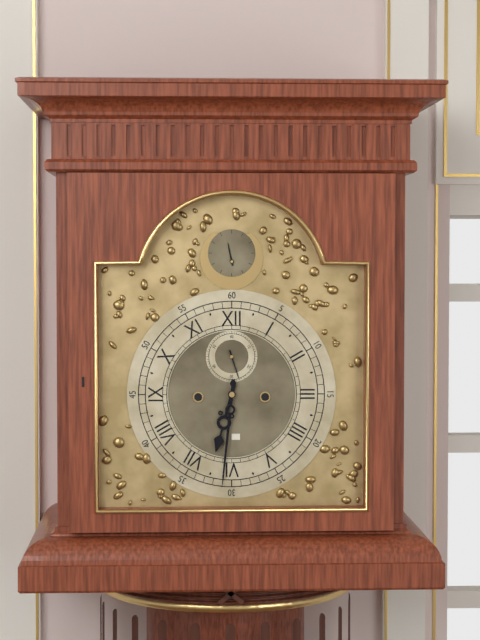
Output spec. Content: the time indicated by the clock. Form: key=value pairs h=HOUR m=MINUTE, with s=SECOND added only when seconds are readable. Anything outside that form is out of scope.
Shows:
h=6 m=31
